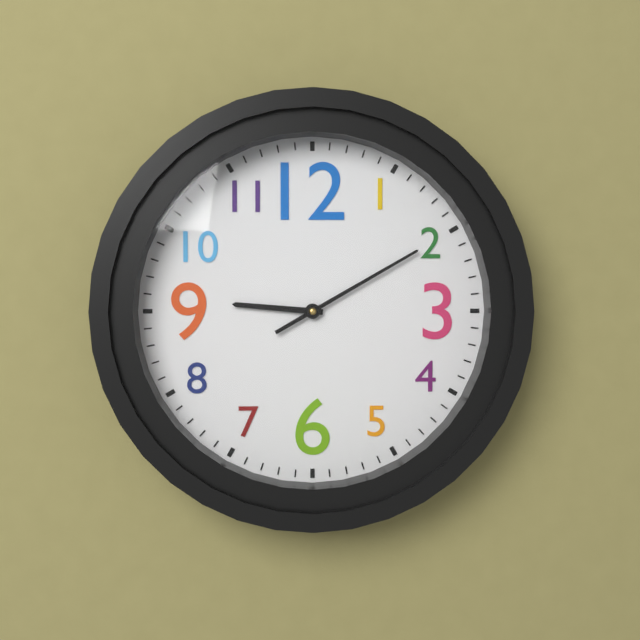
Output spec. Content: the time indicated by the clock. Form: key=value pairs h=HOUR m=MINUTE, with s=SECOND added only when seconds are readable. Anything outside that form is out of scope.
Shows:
h=9 m=10
